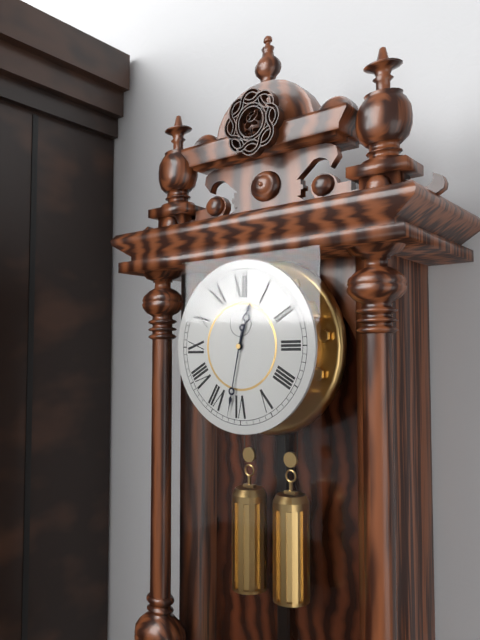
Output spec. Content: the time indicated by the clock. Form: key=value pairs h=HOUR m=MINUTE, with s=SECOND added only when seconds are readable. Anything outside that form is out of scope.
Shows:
h=12 m=32
